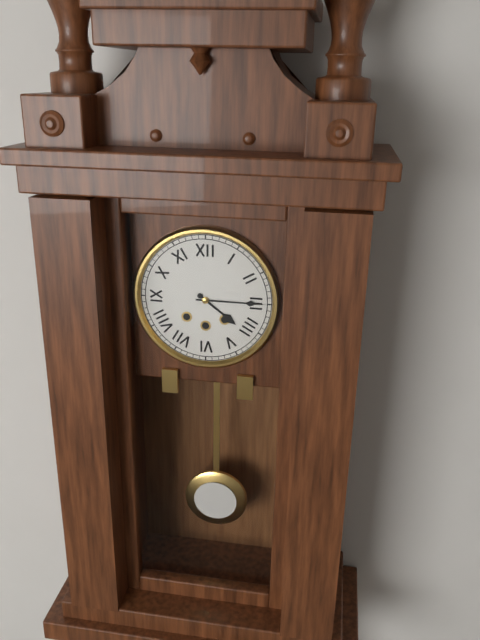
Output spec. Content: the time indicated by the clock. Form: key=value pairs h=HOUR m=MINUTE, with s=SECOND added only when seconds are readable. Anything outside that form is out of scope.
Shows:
h=4 m=15
